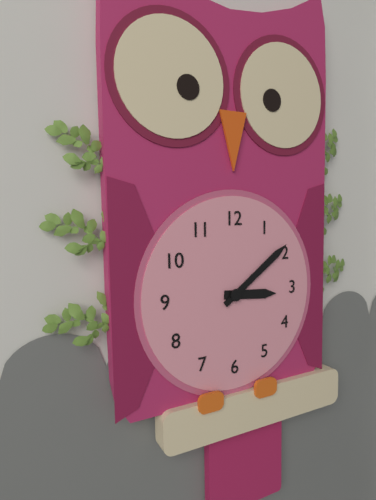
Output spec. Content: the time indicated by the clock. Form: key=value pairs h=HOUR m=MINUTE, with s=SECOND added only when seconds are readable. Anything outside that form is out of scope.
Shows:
h=3 m=9
